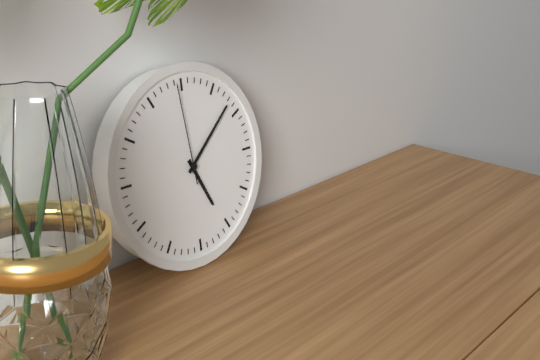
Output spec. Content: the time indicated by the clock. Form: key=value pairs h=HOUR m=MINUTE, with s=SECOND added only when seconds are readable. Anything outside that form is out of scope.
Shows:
h=5 m=8 s=59
